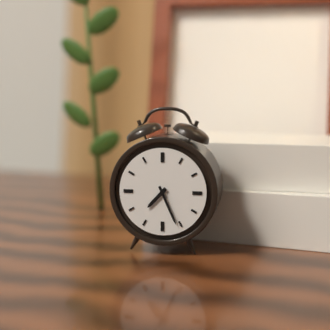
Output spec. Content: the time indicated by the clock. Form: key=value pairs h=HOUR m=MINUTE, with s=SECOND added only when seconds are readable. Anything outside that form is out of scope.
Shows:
h=7 m=26
